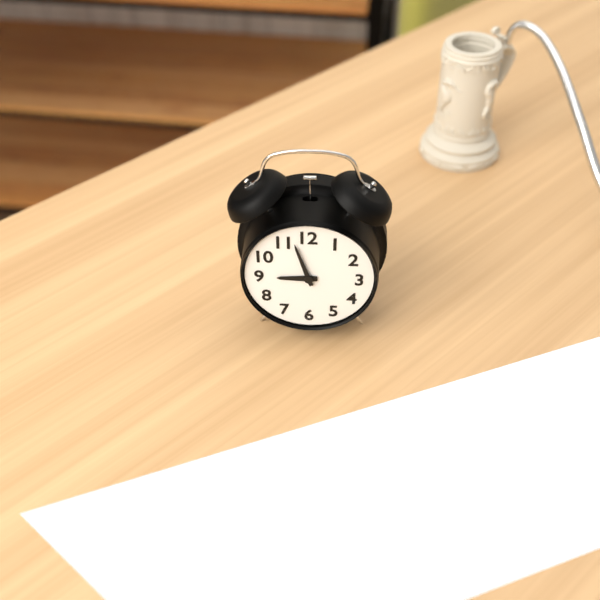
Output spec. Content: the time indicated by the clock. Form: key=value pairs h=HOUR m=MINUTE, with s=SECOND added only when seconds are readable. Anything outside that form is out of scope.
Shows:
h=8 m=57
